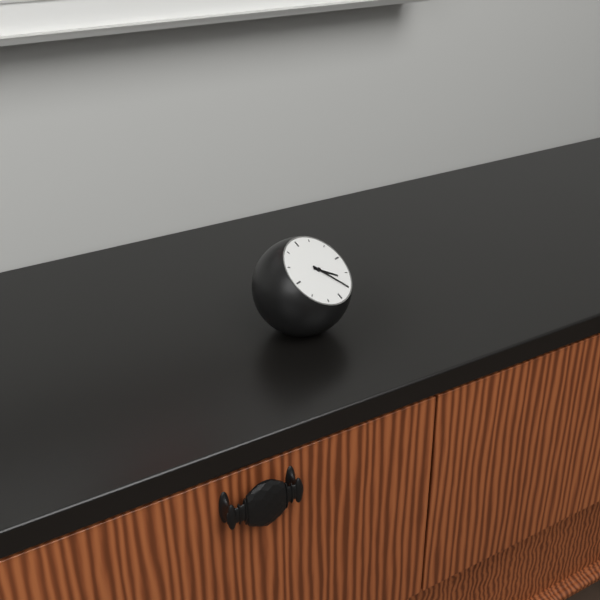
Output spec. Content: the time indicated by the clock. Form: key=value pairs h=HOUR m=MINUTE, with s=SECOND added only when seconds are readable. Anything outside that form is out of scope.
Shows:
h=4 m=25
